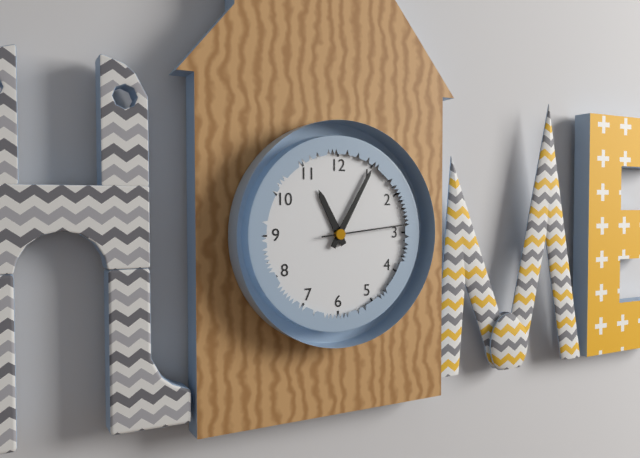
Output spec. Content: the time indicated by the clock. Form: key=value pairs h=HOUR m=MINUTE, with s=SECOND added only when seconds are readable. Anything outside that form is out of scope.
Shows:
h=11 m=5 s=14
